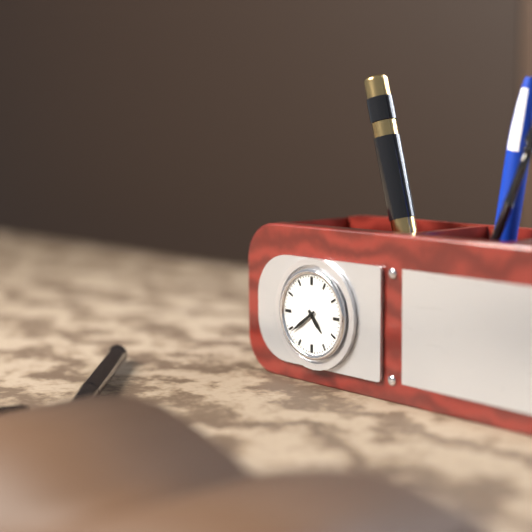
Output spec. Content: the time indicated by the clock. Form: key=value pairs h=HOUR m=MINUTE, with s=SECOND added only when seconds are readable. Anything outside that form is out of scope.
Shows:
h=4 m=39
